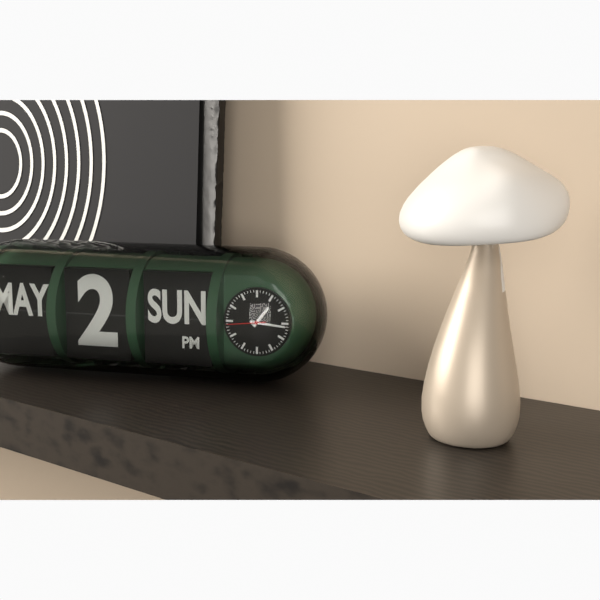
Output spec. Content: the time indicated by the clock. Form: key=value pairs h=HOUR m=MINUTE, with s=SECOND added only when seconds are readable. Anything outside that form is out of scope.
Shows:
h=1 m=16
